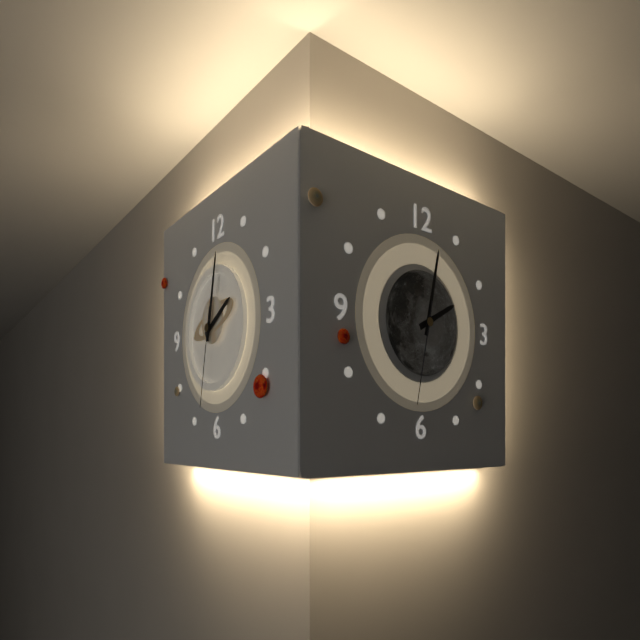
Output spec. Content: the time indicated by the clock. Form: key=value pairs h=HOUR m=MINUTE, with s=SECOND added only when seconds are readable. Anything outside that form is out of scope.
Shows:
h=2 m=2 s=32
